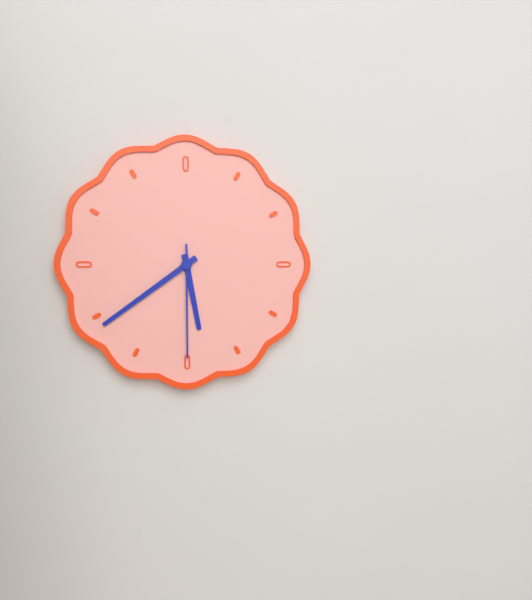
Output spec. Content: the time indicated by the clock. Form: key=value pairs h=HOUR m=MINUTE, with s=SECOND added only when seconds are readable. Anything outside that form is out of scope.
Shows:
h=5 m=39 s=30
